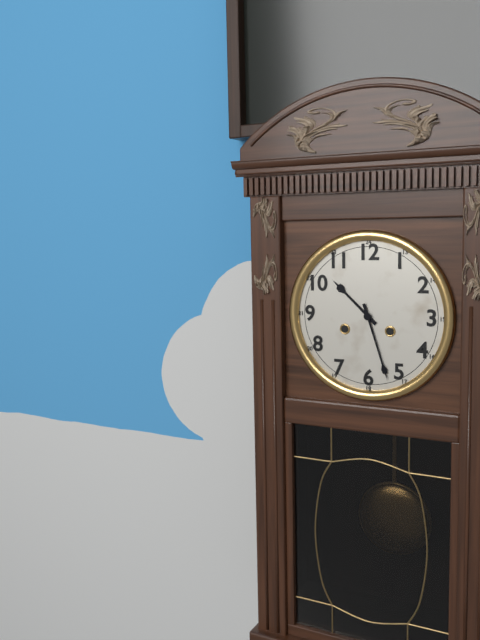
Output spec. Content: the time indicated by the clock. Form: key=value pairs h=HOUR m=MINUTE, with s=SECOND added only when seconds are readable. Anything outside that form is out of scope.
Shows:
h=10 m=27
